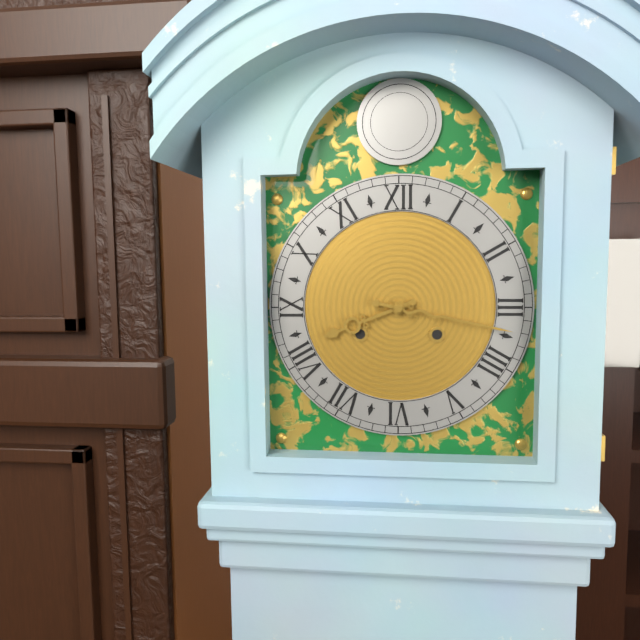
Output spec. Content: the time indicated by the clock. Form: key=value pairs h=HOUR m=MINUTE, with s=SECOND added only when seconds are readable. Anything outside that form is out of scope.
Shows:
h=8 m=17
